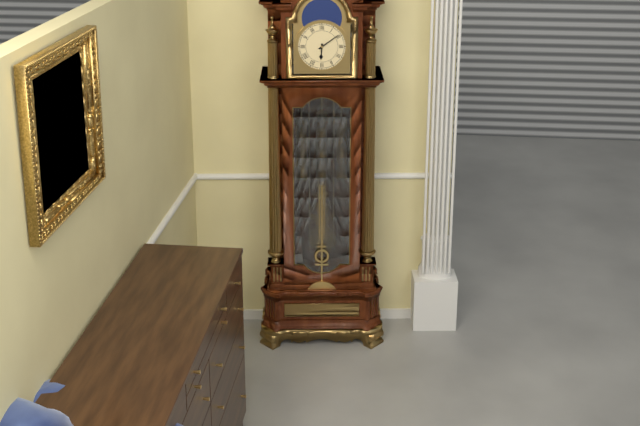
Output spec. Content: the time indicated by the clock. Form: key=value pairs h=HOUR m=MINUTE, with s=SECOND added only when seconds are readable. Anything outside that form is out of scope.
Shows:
h=6 m=9
